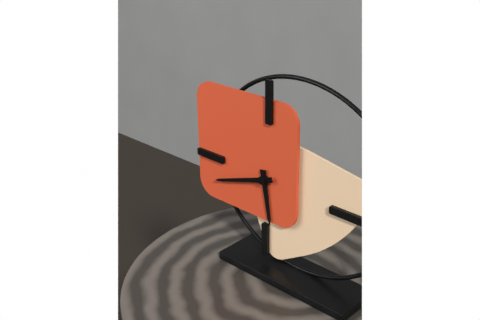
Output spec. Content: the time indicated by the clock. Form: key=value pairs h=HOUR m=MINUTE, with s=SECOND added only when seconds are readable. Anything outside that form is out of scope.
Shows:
h=5 m=42
